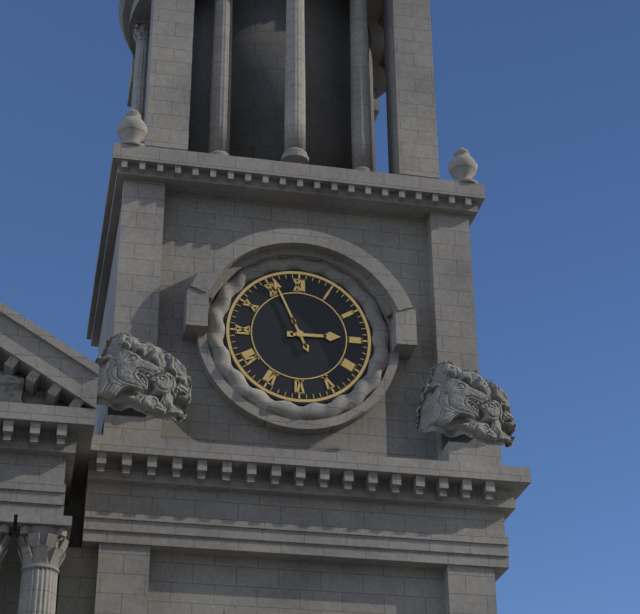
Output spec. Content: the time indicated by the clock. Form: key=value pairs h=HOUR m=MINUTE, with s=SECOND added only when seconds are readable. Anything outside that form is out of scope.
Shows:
h=2 m=56
